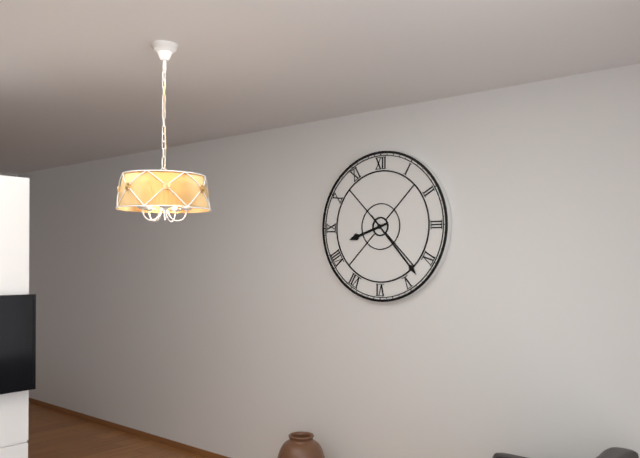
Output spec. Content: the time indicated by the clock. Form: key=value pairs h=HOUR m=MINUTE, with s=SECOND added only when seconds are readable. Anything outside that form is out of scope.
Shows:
h=8 m=23
